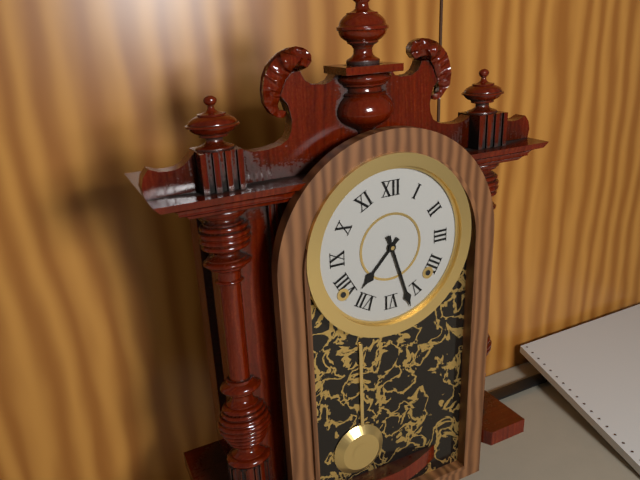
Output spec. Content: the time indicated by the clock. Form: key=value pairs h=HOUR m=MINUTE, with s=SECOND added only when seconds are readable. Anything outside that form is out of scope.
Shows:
h=7 m=27
